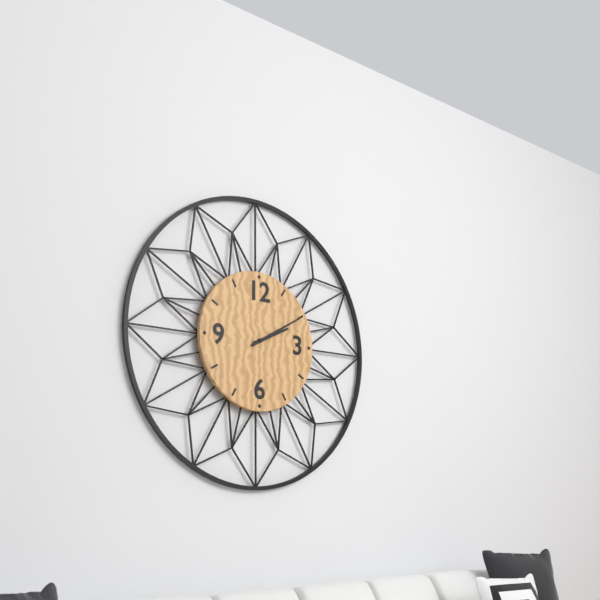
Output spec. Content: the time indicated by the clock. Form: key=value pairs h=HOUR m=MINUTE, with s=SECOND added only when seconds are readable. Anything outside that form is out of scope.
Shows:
h=2 m=10
